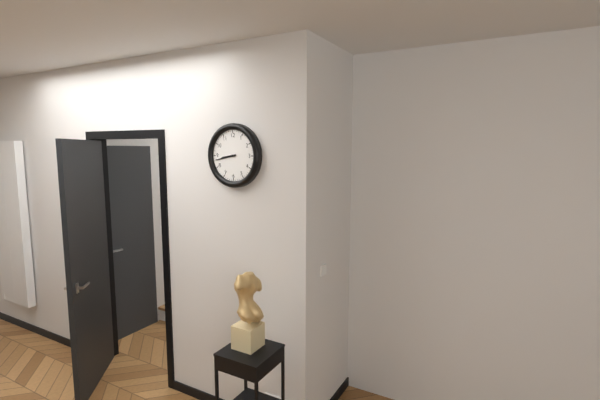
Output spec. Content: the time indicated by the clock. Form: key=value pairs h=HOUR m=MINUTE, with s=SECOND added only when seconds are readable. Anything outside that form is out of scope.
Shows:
h=8 m=43
